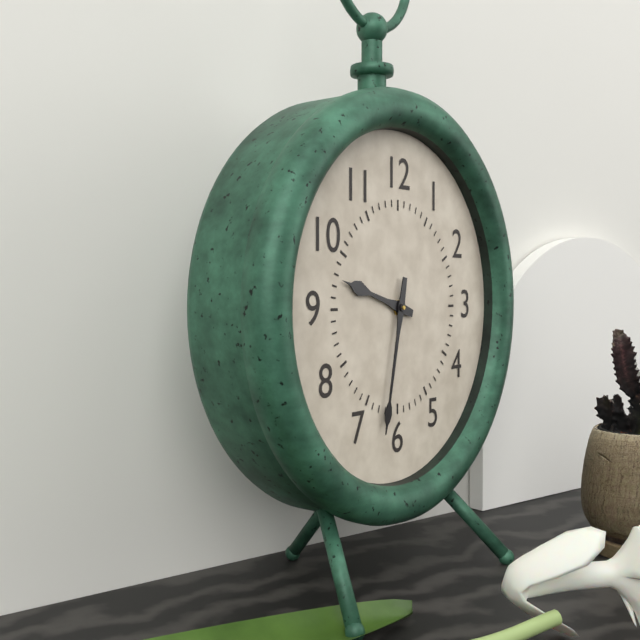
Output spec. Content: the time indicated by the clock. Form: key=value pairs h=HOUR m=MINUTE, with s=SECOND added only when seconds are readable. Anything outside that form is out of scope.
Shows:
h=9 m=32
